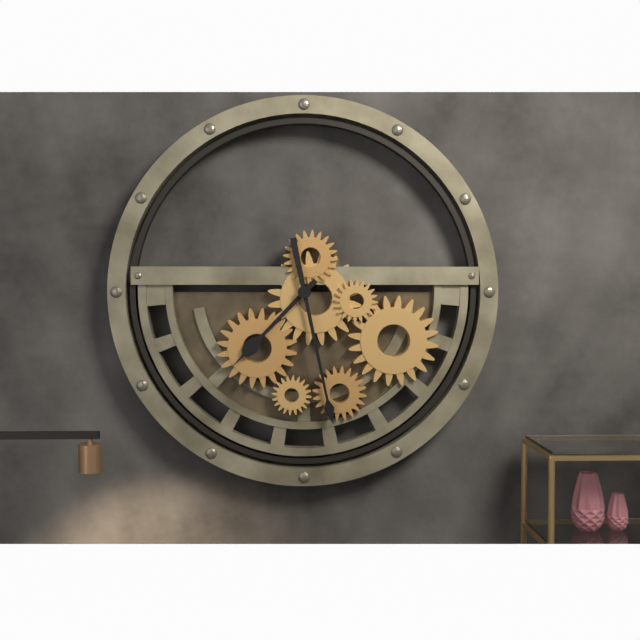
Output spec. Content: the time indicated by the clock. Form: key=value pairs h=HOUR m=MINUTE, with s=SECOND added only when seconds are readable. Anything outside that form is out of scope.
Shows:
h=7 m=28
